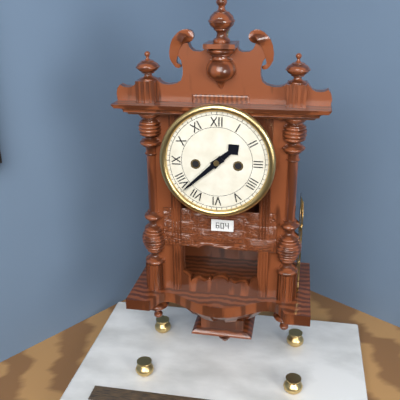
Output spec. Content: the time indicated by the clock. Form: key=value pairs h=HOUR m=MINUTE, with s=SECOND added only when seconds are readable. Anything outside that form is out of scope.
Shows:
h=1 m=38
